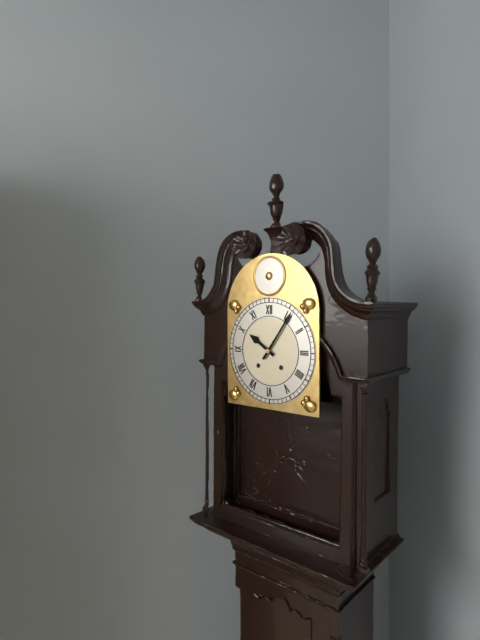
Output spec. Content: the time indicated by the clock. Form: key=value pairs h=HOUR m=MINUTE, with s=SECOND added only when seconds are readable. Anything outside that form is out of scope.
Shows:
h=10 m=6
